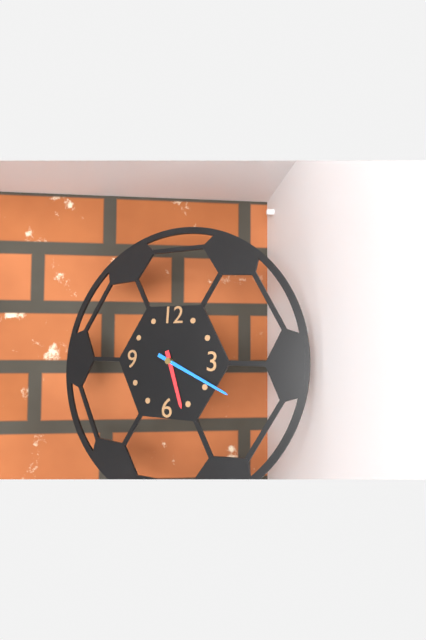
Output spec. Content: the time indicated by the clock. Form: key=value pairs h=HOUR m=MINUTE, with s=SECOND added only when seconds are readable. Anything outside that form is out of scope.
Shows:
h=5 m=19
